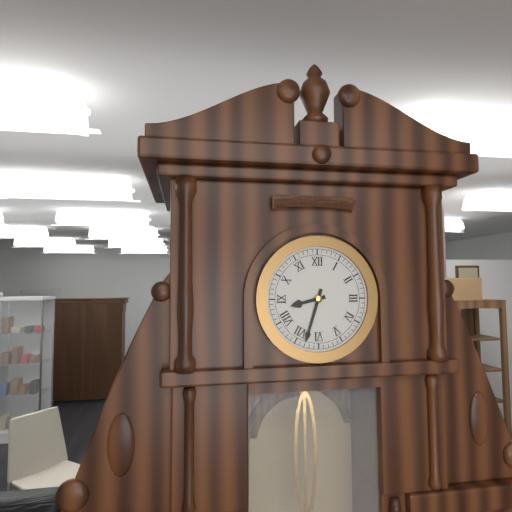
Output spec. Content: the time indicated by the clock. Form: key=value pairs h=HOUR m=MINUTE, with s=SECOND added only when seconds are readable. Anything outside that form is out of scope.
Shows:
h=8 m=33
